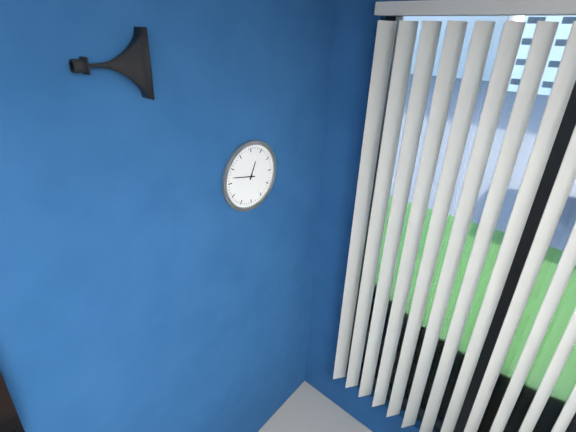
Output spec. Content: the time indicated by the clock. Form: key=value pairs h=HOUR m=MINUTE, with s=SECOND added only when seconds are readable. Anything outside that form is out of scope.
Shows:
h=12 m=47
